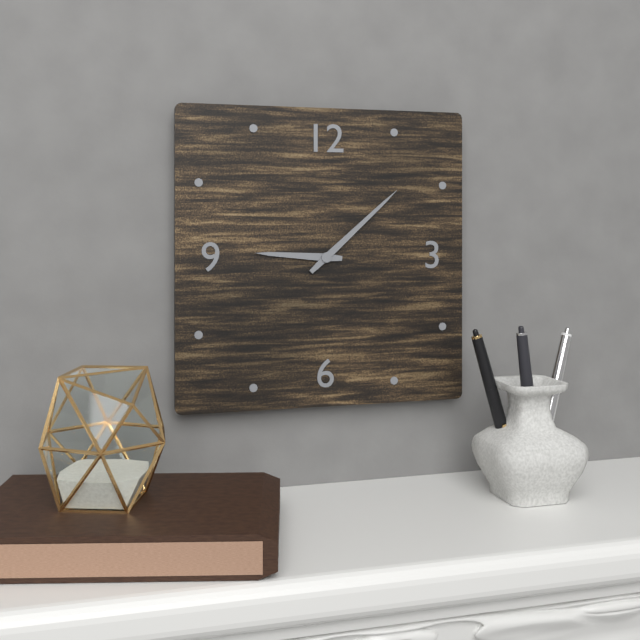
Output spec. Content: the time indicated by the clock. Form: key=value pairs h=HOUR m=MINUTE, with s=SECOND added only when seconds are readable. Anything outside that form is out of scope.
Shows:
h=9 m=8
